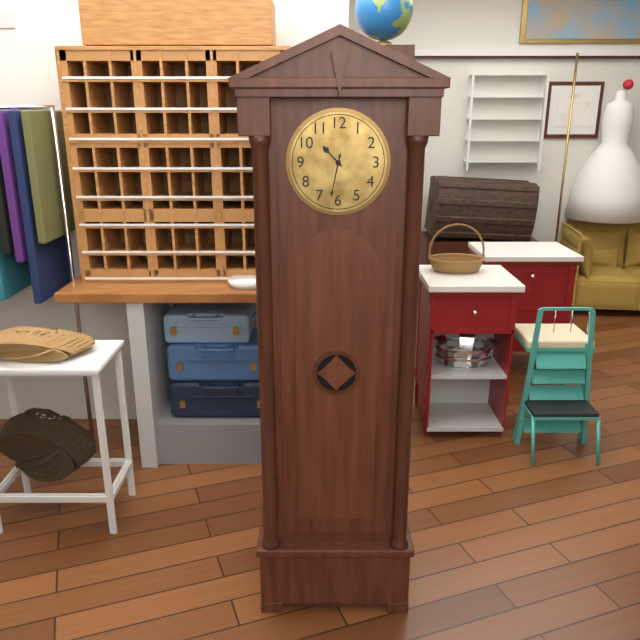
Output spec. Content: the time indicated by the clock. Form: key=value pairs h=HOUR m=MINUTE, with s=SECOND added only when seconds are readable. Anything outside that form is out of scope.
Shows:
h=10 m=32
